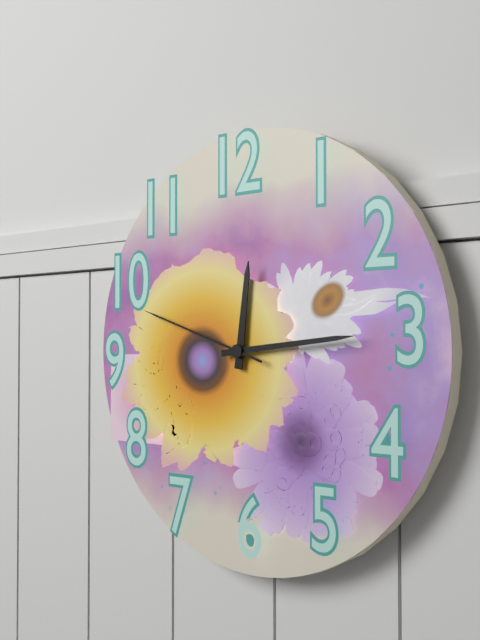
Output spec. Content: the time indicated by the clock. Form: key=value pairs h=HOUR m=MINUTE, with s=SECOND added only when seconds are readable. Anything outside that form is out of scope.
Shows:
h=12 m=14 s=48
